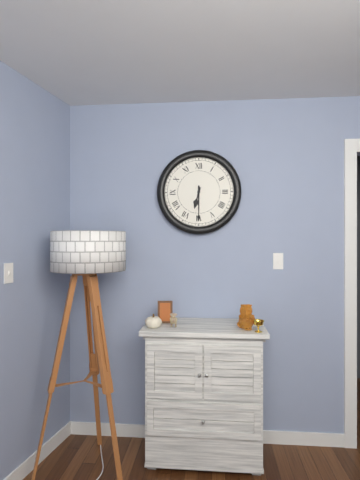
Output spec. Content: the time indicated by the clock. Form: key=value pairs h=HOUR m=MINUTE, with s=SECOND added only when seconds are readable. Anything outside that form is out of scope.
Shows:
h=6 m=30
